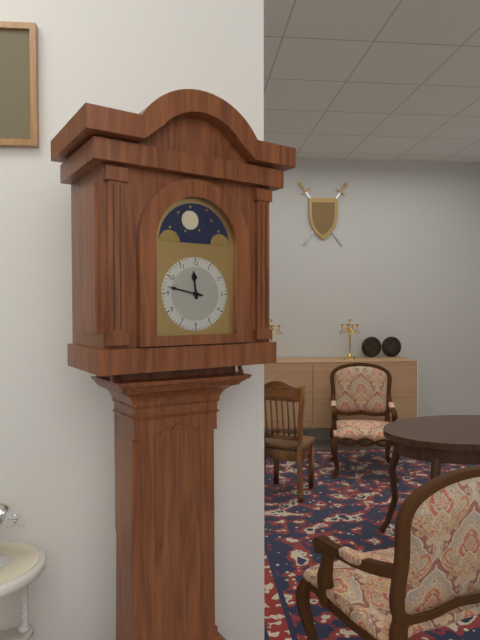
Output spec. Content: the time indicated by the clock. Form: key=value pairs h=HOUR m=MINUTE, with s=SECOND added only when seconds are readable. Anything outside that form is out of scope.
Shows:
h=11 m=47
